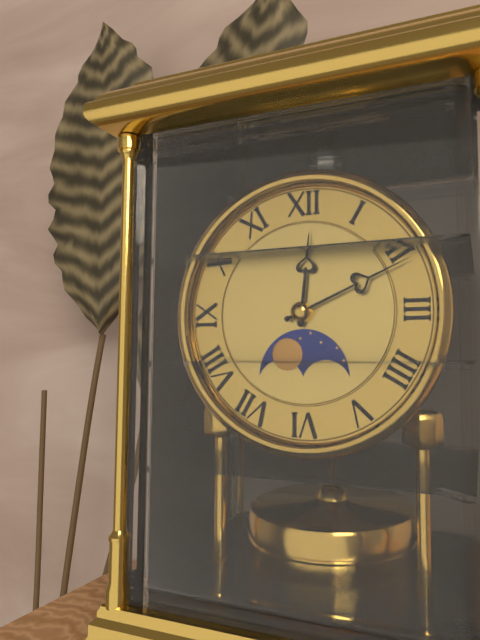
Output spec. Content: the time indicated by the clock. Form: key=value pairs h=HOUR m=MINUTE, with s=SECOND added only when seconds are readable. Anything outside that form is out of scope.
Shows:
h=12 m=11
